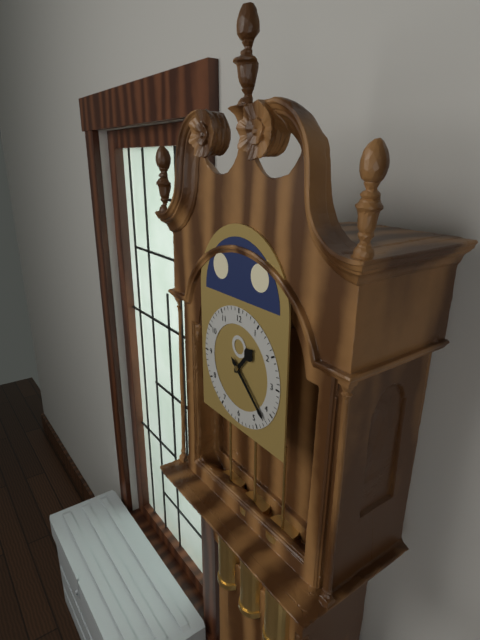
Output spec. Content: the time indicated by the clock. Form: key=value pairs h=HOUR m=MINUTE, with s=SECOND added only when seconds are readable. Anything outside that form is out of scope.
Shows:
h=1 m=22
